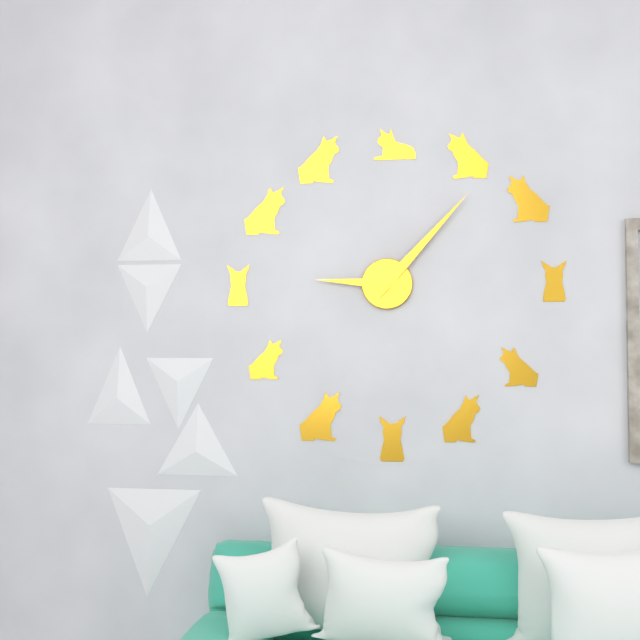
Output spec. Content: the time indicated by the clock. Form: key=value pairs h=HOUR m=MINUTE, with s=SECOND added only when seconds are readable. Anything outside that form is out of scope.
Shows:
h=9 m=7
